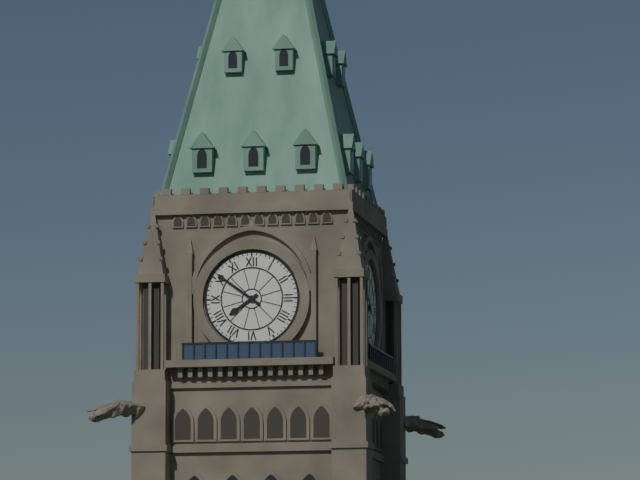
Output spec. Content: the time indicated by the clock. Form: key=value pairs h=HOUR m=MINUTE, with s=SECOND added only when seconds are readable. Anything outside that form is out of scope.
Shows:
h=7 m=51
